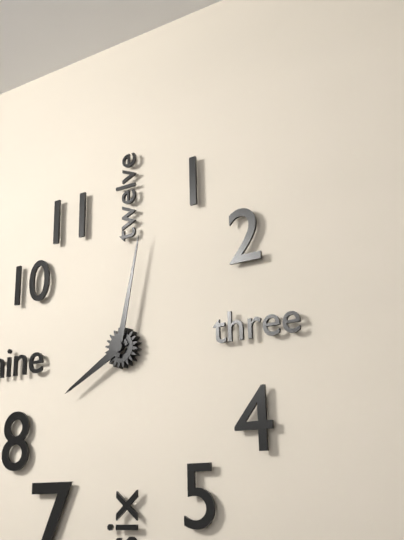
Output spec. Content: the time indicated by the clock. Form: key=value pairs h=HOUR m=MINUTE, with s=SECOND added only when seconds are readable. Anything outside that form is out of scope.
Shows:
h=8 m=2
